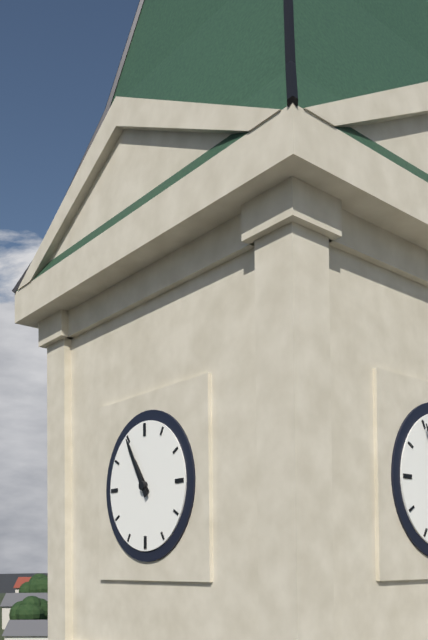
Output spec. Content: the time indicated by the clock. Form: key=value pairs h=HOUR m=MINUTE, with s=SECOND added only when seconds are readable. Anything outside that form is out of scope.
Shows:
h=10 m=55
